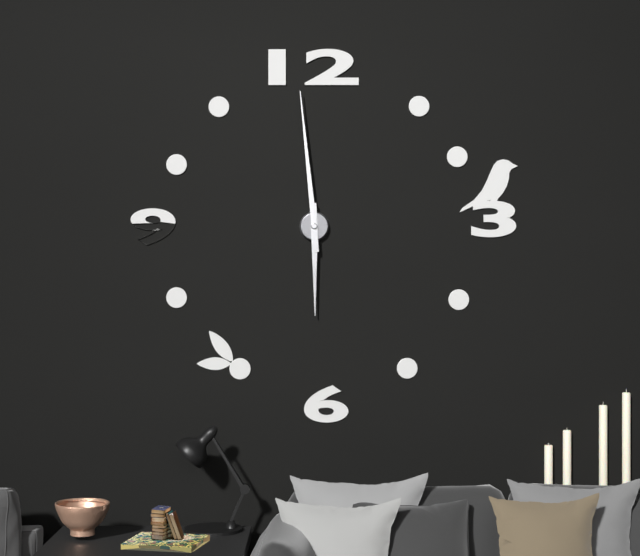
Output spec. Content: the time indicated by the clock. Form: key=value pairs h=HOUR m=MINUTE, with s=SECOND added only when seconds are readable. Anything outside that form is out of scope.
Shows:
h=5 m=59
